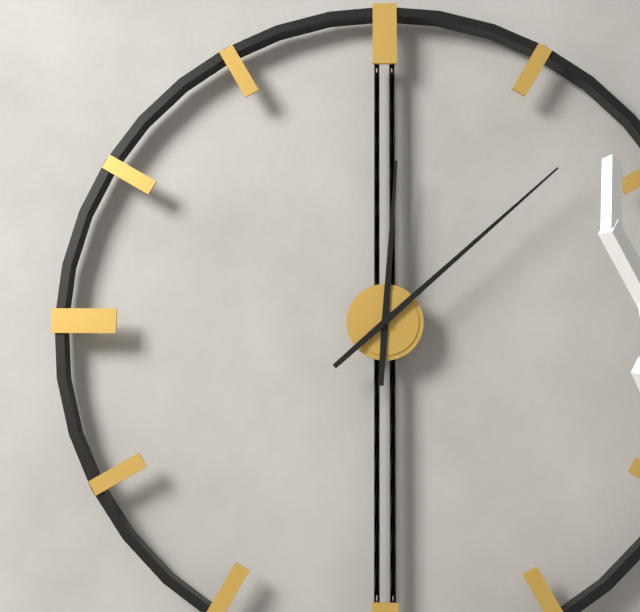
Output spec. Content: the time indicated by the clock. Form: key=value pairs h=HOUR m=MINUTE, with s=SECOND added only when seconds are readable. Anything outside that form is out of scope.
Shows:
h=12 m=8
